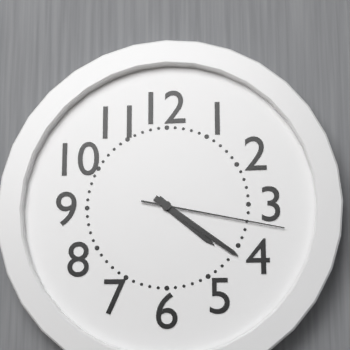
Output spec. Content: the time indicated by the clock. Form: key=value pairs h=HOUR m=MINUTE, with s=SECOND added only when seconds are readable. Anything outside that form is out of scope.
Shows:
h=4 m=21 s=17
